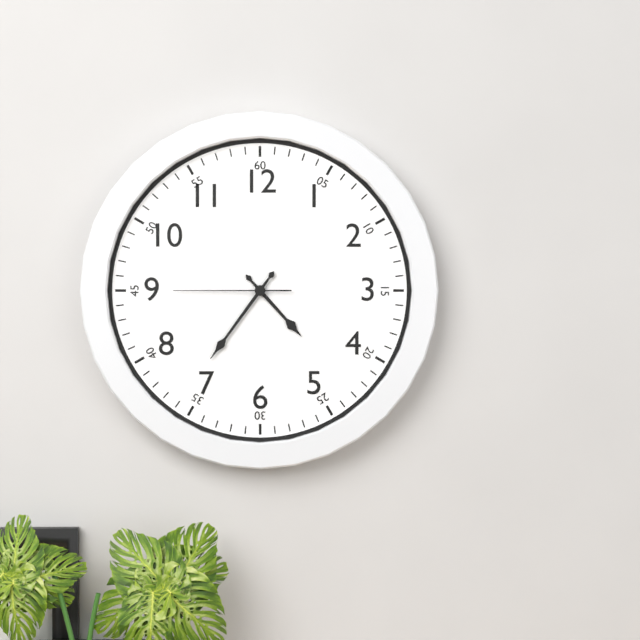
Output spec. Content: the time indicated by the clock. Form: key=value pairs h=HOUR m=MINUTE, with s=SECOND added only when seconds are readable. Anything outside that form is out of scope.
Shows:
h=4 m=36 s=45
